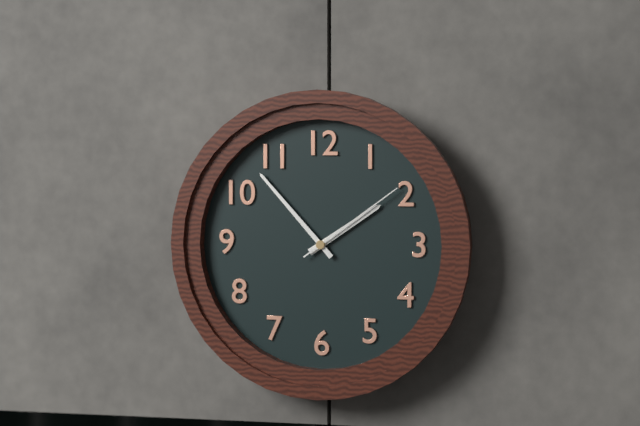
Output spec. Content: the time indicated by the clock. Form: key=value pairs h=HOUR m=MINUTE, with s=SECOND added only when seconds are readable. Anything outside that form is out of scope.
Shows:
h=1 m=53 s=9
